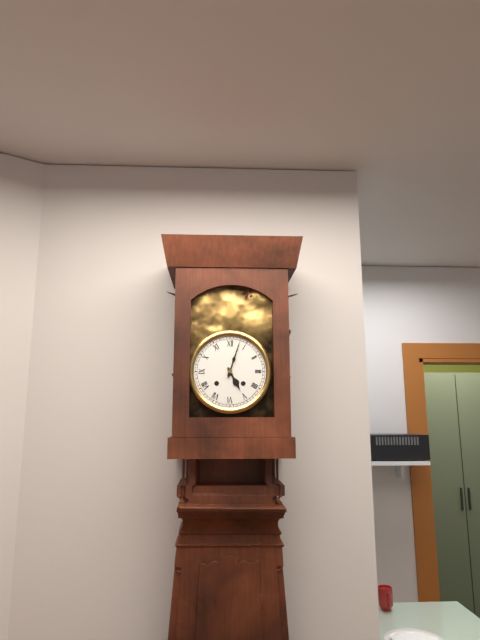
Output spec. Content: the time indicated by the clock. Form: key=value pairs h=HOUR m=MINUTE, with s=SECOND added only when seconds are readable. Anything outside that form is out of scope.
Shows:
h=5 m=3
